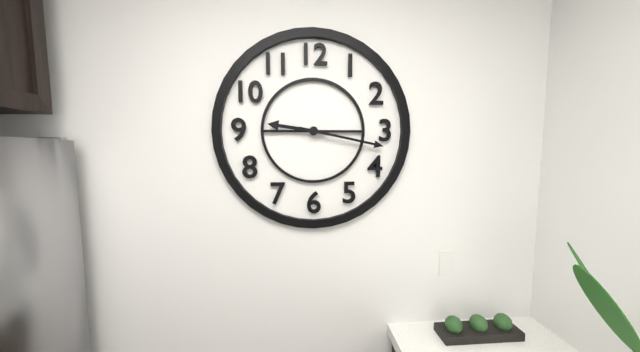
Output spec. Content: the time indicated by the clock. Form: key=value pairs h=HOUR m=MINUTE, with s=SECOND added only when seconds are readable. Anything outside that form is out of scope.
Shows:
h=9 m=17
